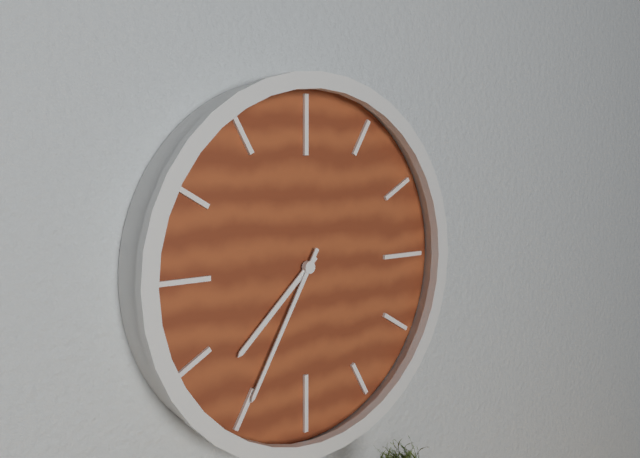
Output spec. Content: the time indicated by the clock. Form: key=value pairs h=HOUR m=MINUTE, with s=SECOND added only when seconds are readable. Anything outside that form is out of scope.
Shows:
h=7 m=35
